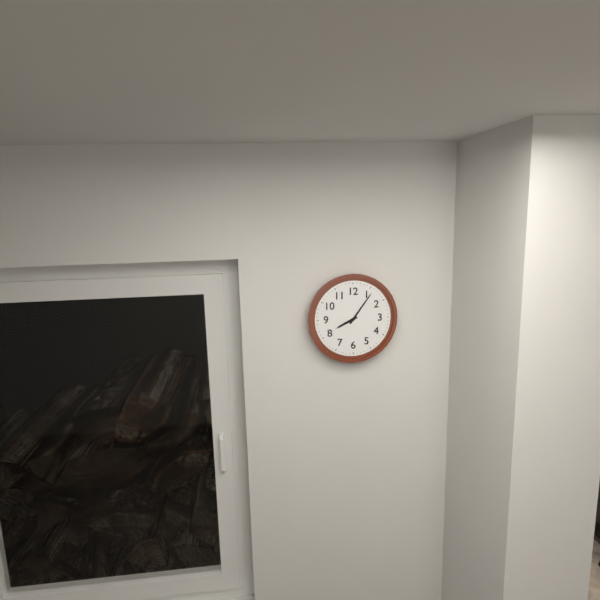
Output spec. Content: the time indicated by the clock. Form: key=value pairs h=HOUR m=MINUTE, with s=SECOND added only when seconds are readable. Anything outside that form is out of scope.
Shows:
h=8 m=6
